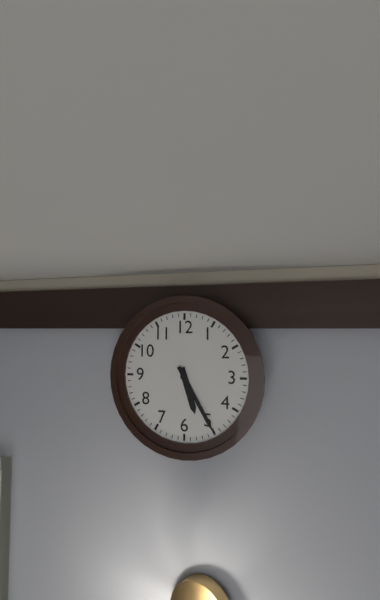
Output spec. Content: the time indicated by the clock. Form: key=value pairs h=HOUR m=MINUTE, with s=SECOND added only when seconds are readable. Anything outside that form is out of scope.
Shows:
h=5 m=25
